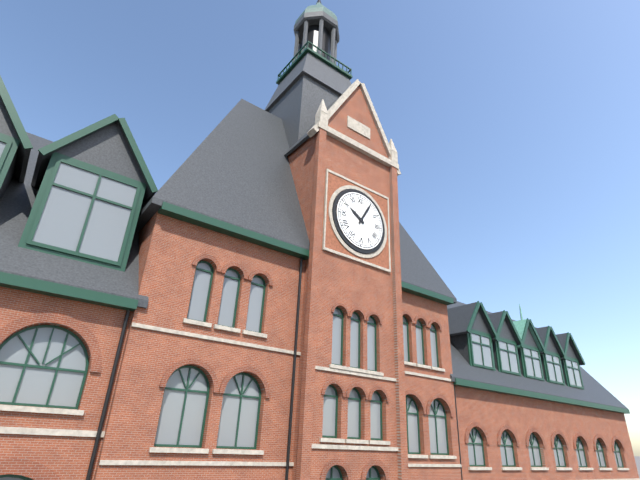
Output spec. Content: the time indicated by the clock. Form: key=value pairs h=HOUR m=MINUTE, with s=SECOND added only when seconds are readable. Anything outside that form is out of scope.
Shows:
h=10 m=5
